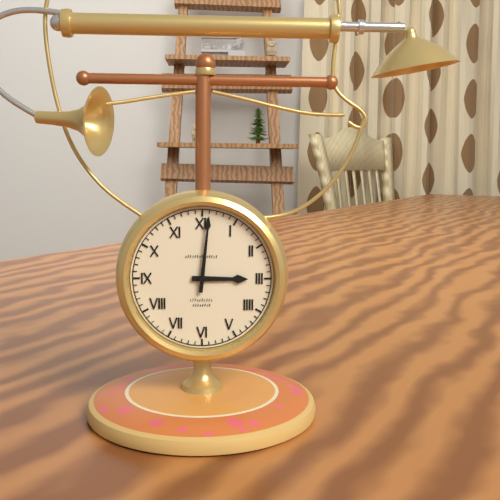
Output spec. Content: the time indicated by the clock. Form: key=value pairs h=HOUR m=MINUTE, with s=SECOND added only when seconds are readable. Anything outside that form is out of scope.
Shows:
h=3 m=1
